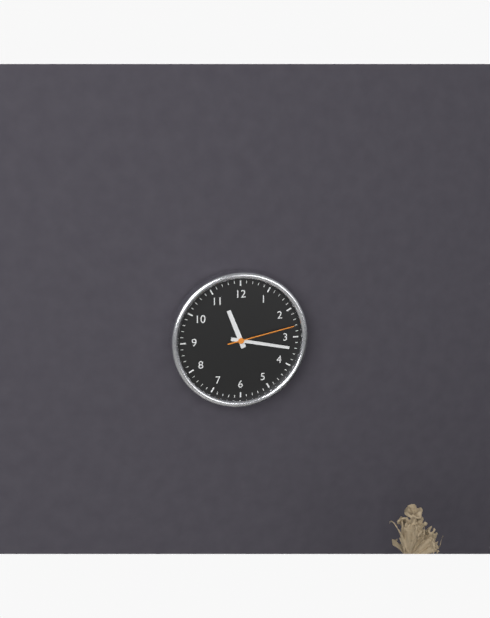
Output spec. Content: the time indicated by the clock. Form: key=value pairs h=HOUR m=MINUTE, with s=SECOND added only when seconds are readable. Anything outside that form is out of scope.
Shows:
h=11 m=17 s=13
